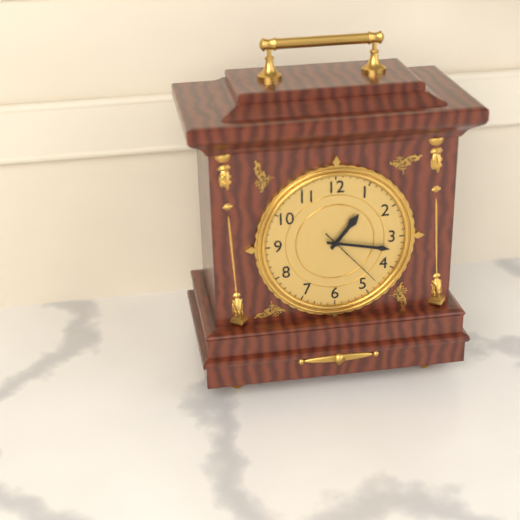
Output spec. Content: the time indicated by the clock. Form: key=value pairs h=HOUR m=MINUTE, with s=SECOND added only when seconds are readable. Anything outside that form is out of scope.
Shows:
h=1 m=17 s=23
